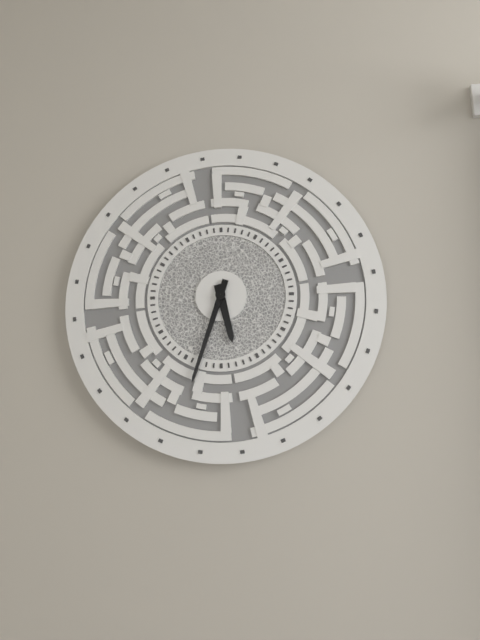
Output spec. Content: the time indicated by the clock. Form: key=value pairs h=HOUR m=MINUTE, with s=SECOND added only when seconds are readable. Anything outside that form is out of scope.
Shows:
h=5 m=33
